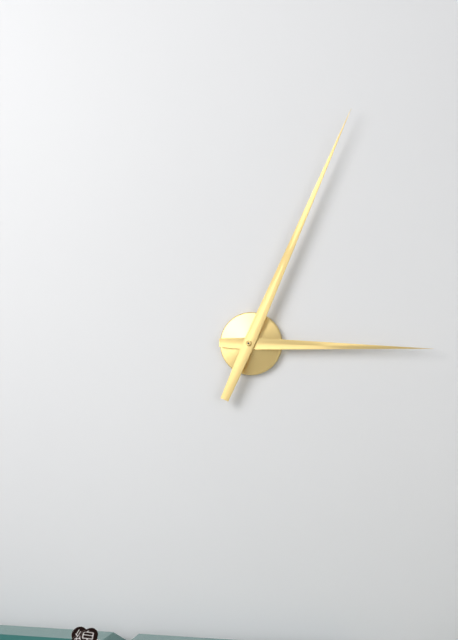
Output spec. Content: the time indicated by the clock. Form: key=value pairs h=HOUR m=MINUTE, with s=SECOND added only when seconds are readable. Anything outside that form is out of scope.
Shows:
h=3 m=4
